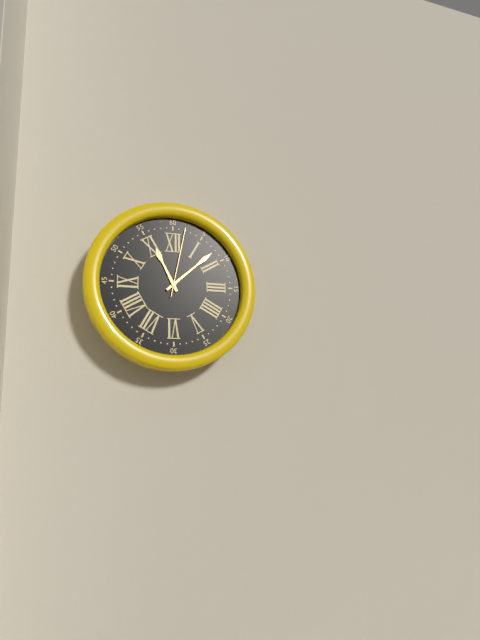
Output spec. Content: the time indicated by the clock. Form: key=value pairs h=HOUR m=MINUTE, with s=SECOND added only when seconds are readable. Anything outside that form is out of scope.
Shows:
h=11 m=8 s=2
